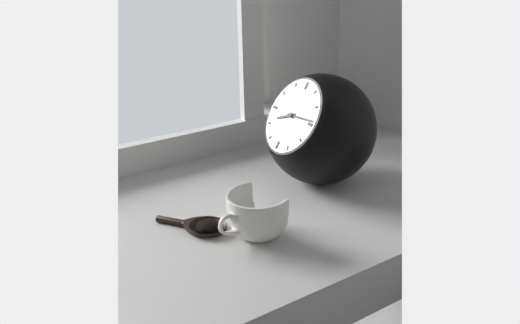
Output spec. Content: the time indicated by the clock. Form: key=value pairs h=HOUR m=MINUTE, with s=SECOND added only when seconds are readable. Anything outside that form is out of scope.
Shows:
h=8 m=14
